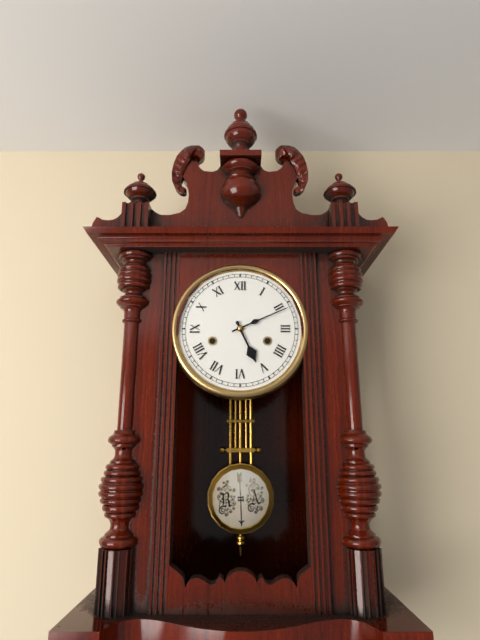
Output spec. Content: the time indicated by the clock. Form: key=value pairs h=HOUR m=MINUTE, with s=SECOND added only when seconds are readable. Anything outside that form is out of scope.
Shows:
h=5 m=11
